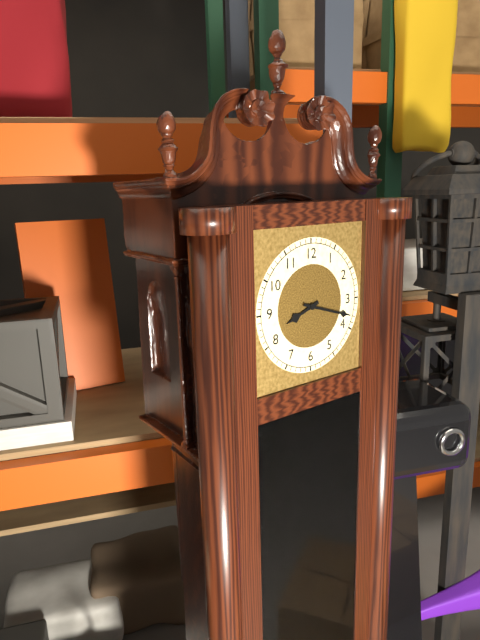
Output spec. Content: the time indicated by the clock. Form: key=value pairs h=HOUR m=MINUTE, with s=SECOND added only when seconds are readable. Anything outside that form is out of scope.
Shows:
h=8 m=18
